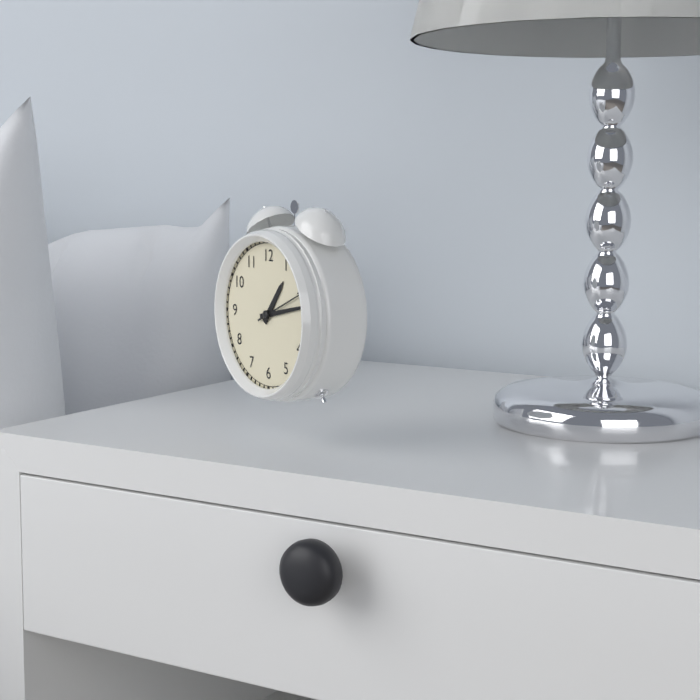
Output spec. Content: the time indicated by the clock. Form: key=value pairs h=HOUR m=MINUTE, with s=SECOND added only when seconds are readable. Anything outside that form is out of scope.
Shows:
h=1 m=13 s=11
